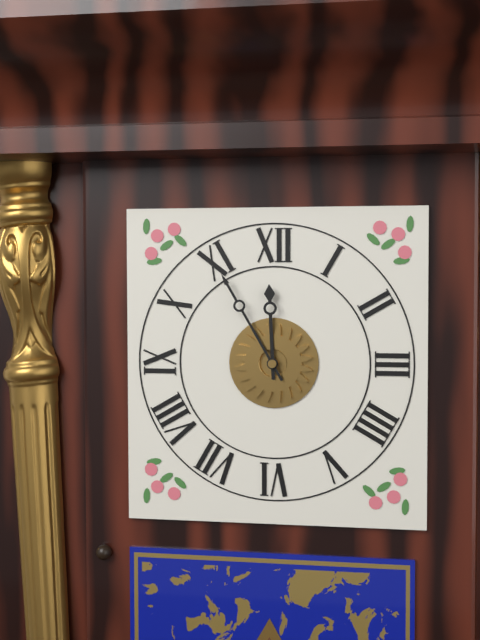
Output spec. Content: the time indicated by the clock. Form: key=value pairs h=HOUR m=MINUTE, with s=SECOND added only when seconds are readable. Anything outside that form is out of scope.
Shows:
h=11 m=55
